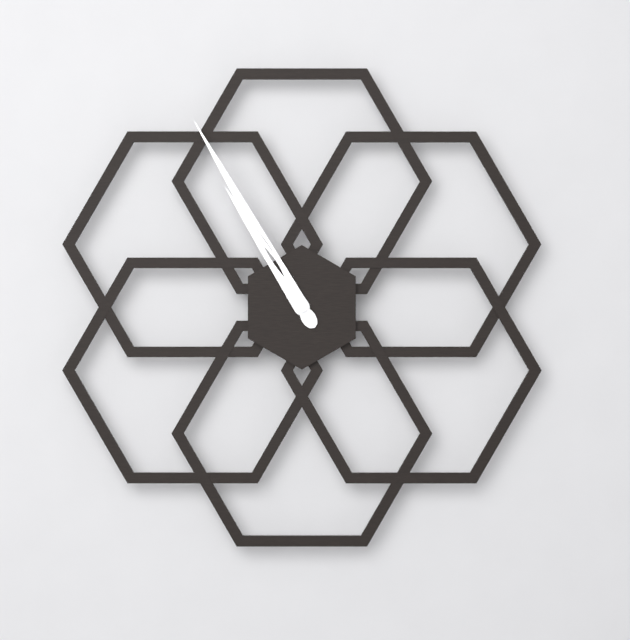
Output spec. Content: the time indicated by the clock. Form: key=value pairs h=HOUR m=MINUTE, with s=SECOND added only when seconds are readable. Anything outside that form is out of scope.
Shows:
h=10 m=55
